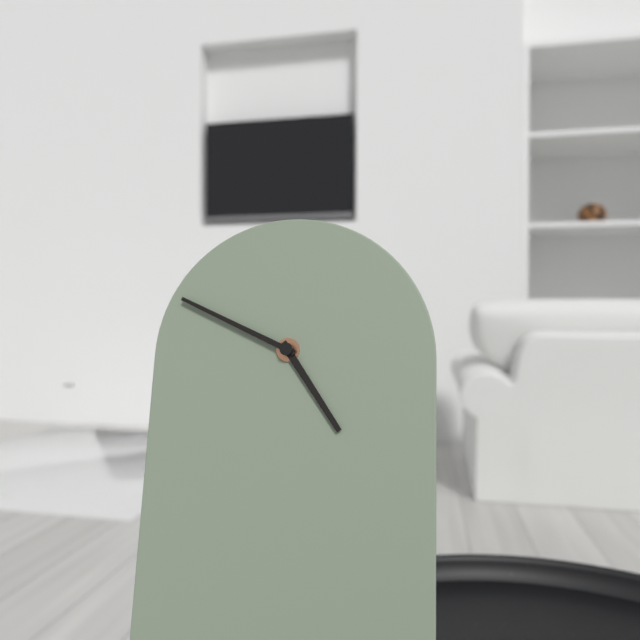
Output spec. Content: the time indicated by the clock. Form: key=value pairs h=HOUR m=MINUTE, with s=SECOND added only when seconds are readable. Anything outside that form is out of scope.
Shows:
h=4 m=49
